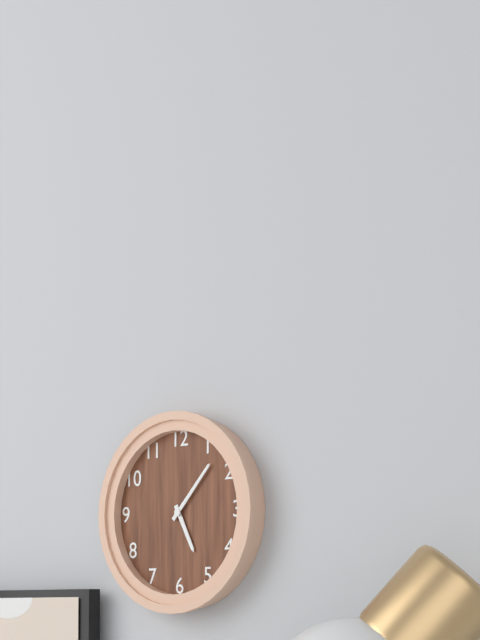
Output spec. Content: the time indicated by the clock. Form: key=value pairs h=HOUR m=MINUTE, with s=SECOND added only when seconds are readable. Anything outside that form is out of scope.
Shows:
h=5 m=7
